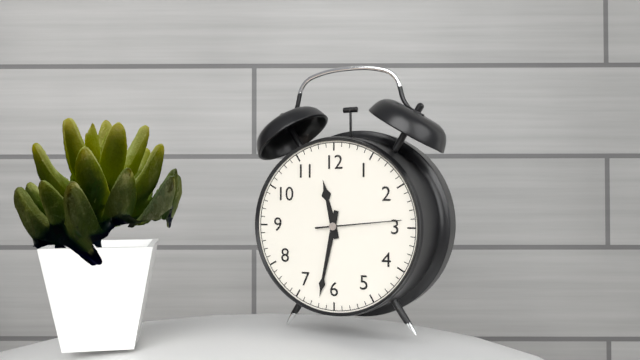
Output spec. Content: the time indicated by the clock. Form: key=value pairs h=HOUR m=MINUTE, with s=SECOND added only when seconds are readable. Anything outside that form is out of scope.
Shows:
h=11 m=32 s=14
